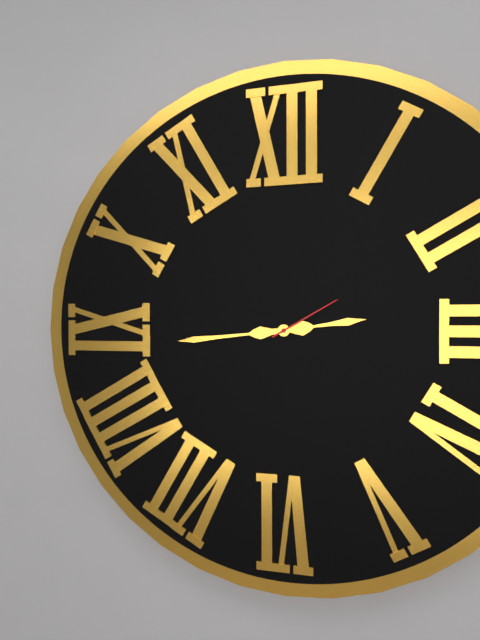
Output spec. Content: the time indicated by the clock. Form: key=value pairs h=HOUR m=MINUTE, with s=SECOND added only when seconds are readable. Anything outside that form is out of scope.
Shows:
h=2 m=44 s=10
